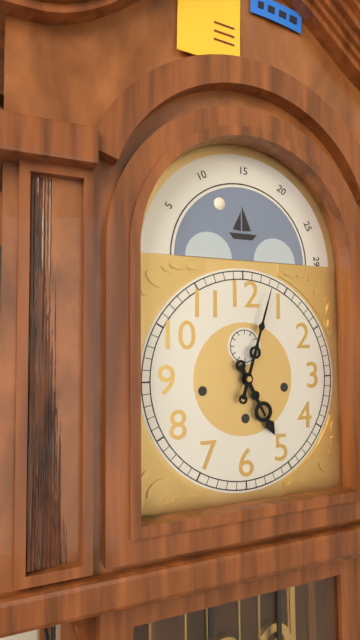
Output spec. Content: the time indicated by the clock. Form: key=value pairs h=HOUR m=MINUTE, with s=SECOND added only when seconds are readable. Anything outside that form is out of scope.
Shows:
h=5 m=3
